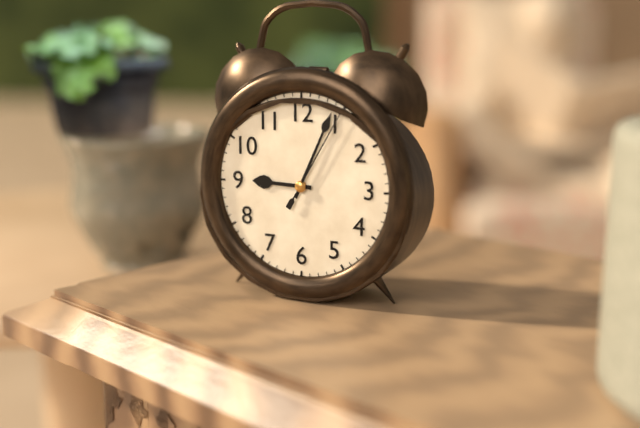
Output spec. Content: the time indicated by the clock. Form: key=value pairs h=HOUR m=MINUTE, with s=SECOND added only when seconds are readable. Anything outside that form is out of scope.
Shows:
h=9 m=4 s=5
